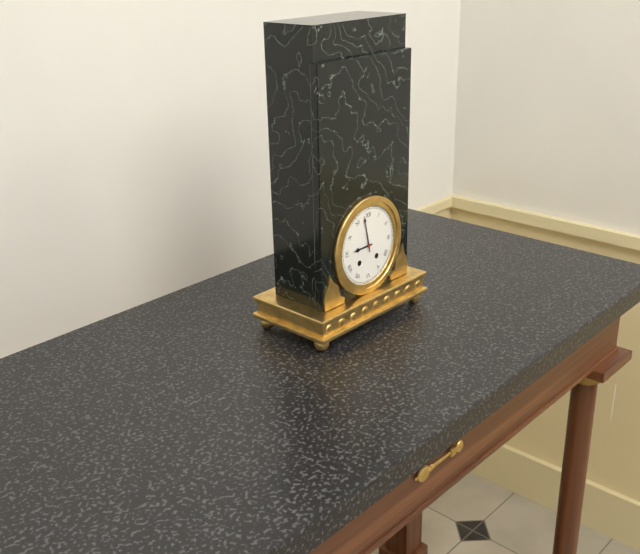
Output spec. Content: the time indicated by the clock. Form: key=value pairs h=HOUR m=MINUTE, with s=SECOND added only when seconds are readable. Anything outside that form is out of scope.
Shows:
h=8 m=58
